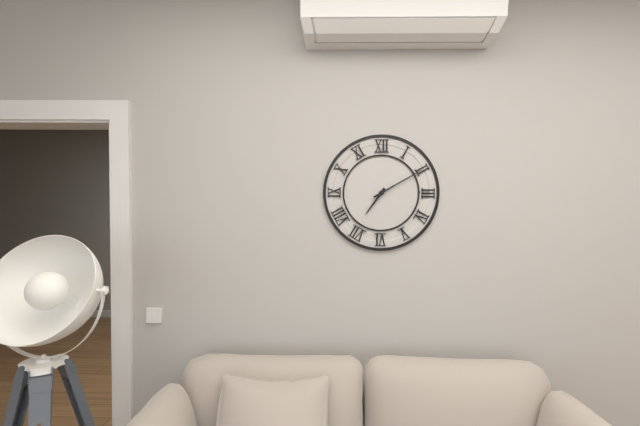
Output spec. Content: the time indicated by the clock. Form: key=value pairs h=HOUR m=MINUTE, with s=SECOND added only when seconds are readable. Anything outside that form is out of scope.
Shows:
h=7 m=10
